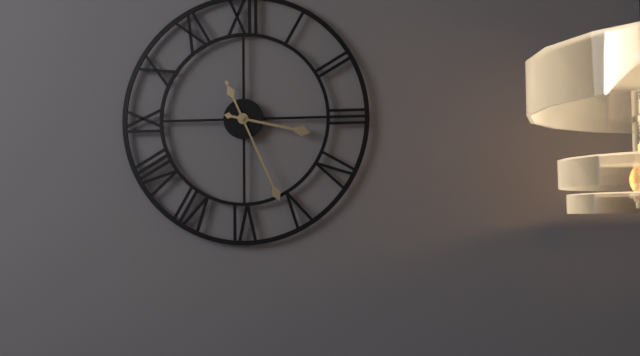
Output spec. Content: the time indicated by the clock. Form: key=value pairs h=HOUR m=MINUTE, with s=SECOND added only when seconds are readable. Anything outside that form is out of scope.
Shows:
h=3 m=26
